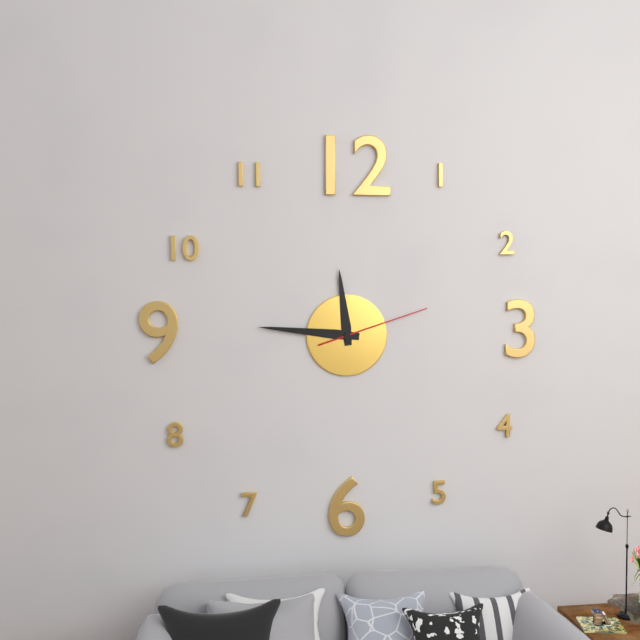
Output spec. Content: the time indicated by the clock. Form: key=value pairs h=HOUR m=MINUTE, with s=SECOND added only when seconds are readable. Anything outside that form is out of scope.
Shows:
h=11 m=46 s=12
